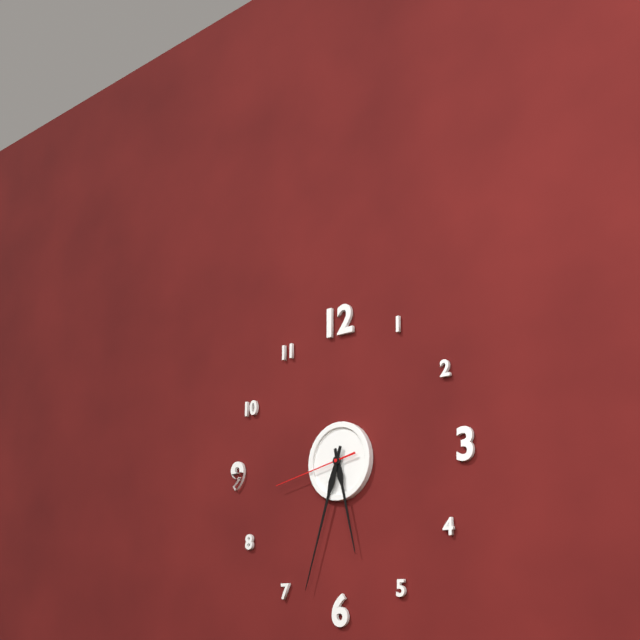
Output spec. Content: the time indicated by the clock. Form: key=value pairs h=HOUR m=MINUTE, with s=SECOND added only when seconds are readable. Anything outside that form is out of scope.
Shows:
h=5 m=33 s=43
